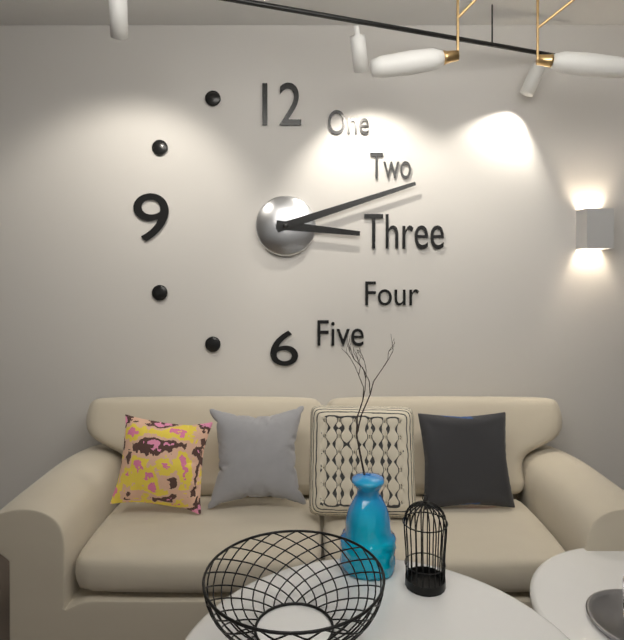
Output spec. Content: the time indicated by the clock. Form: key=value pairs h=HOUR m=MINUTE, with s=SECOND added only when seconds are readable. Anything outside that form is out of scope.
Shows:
h=3 m=12
